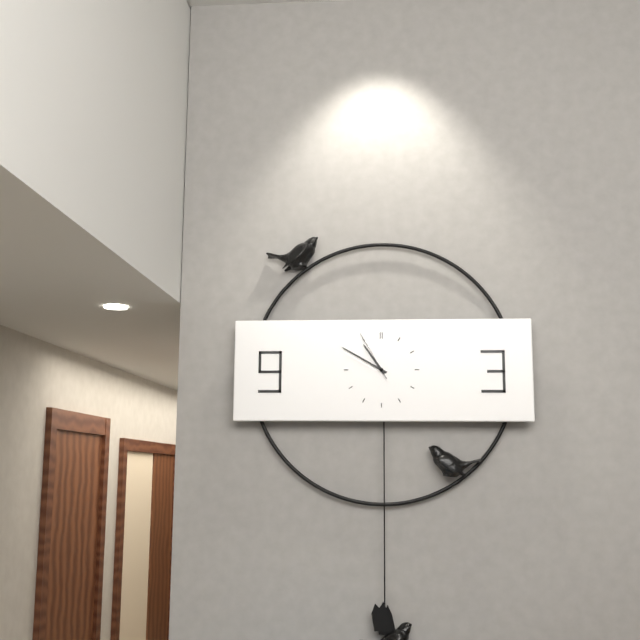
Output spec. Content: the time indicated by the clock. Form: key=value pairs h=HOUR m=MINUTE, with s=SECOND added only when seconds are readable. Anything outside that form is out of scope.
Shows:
h=10 m=50 s=55
